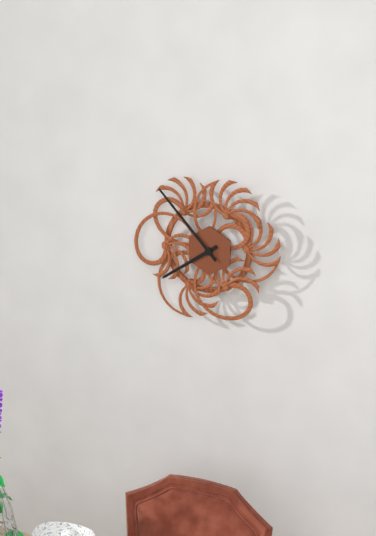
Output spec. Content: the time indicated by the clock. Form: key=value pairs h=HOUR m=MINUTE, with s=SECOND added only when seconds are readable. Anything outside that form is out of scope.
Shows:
h=7 m=53
